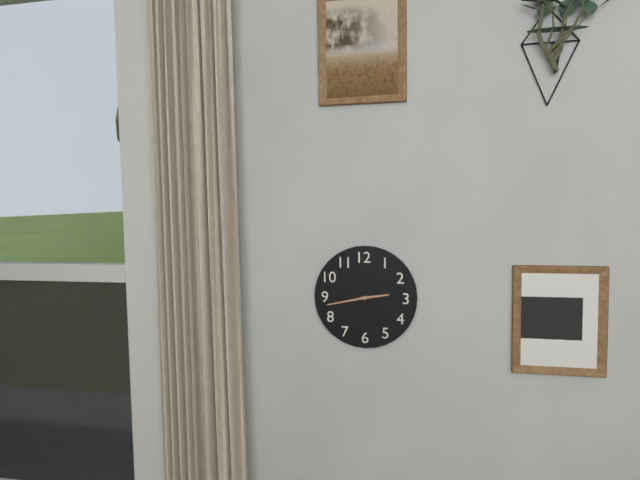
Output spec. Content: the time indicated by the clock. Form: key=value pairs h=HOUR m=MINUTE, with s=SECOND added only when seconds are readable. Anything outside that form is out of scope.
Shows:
h=2 m=43
